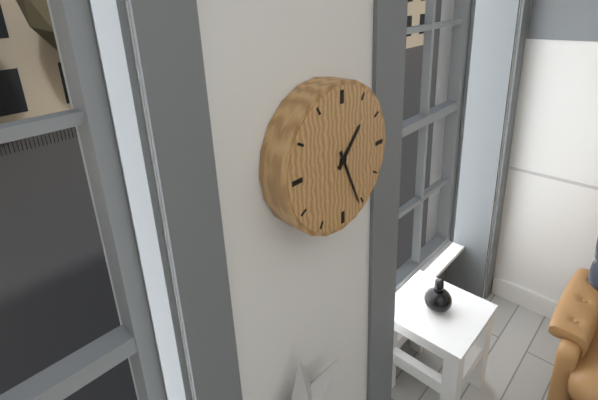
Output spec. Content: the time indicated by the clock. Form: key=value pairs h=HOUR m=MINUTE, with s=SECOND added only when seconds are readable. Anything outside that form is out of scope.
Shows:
h=1 m=26
